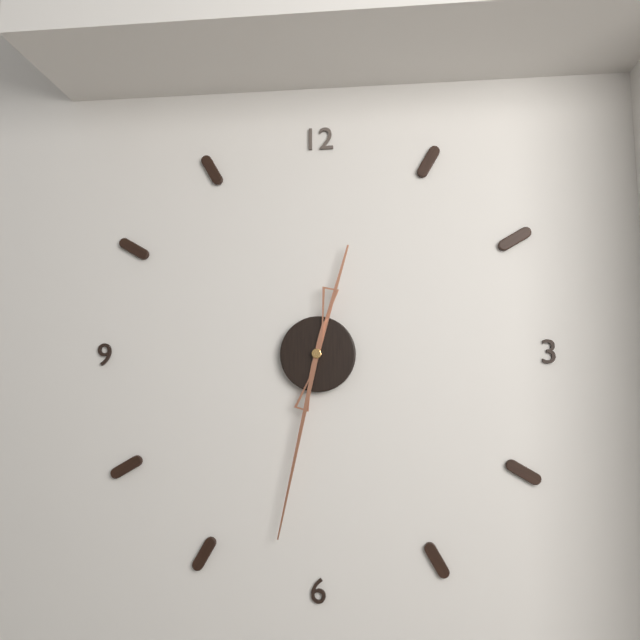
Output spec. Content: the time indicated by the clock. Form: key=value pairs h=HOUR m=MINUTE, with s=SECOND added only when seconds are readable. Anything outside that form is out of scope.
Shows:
h=12 m=32
